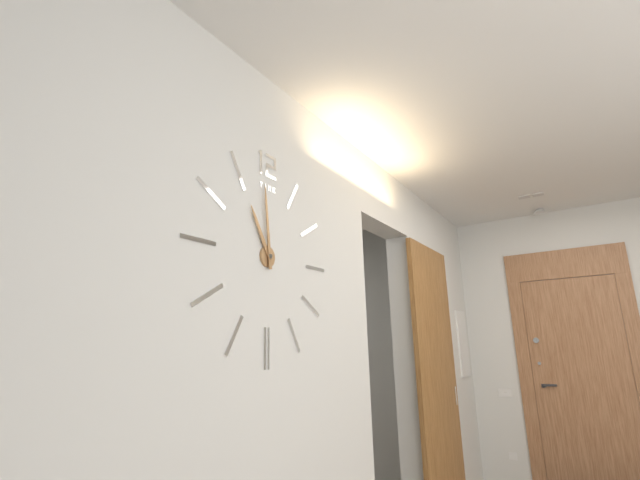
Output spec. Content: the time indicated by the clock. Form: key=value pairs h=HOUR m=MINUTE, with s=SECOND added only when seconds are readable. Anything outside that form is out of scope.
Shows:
h=10 m=59
